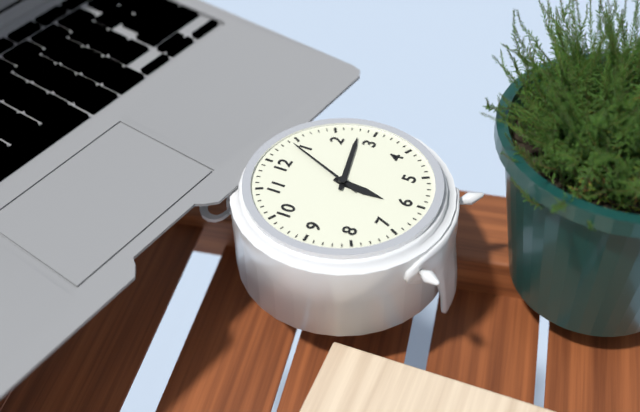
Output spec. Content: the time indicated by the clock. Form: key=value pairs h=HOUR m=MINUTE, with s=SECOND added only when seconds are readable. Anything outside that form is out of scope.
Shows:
h=6 m=13 s=4
